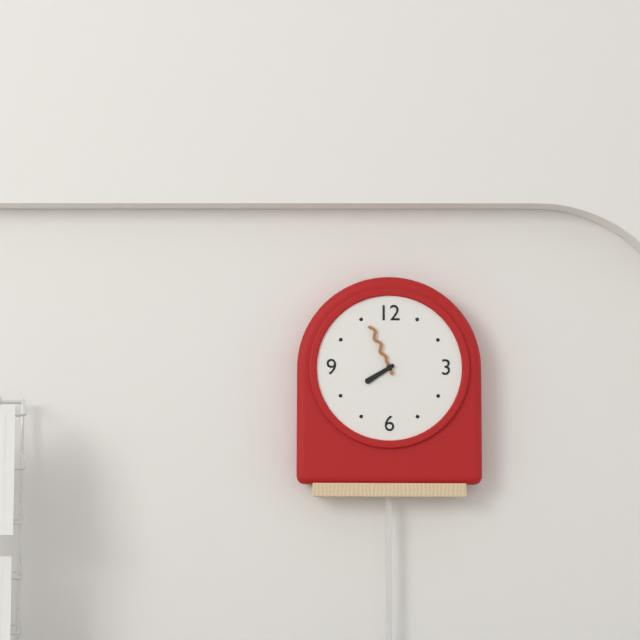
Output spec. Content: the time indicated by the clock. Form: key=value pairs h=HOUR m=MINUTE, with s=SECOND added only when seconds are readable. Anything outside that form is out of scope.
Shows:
h=7 m=56
